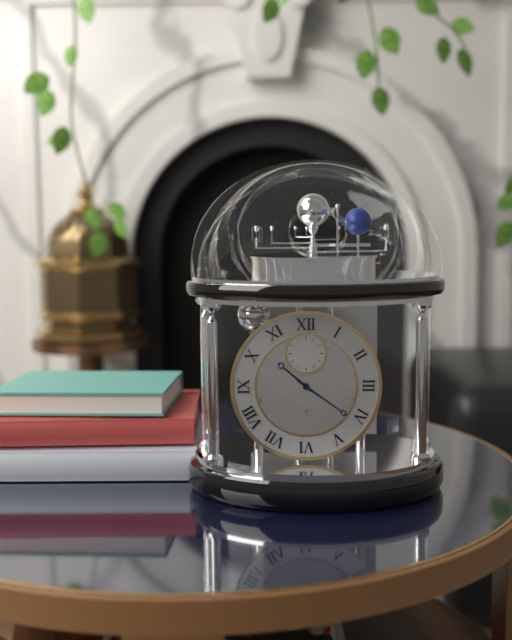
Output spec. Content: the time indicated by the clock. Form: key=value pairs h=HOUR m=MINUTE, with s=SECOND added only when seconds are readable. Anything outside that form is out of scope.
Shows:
h=10 m=21
